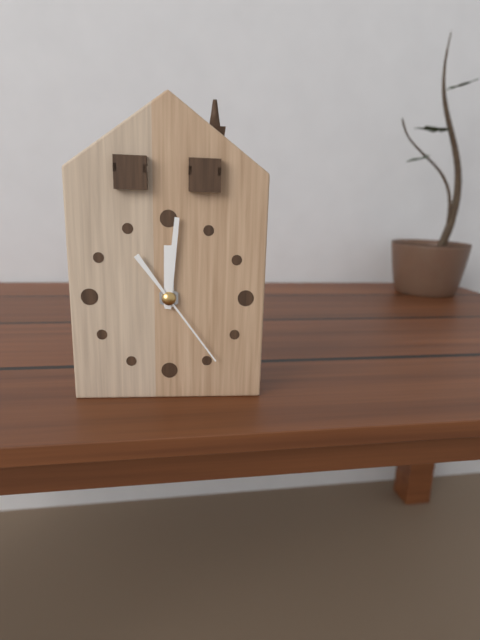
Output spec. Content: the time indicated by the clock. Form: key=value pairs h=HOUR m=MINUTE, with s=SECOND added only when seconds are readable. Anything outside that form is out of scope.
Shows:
h=12 m=1 s=24
